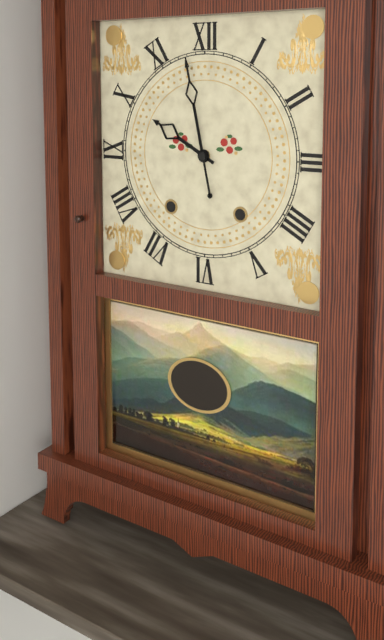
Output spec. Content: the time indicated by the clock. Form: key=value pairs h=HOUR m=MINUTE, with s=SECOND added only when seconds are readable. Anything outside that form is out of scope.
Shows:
h=9 m=58
